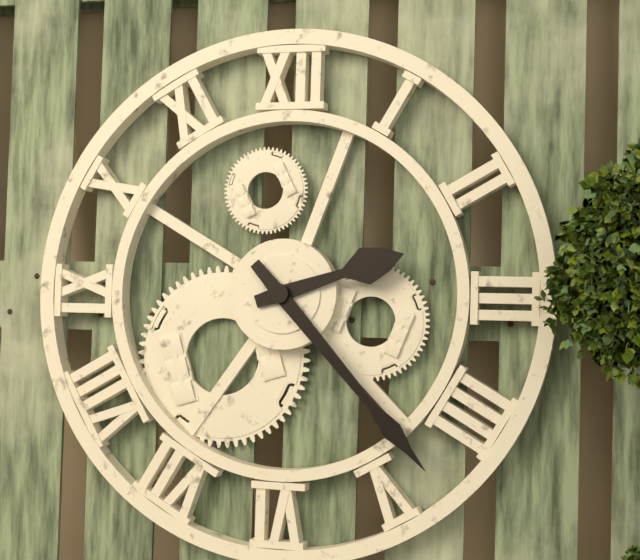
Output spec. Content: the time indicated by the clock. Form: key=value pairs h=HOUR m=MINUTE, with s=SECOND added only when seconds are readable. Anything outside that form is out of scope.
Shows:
h=2 m=23
